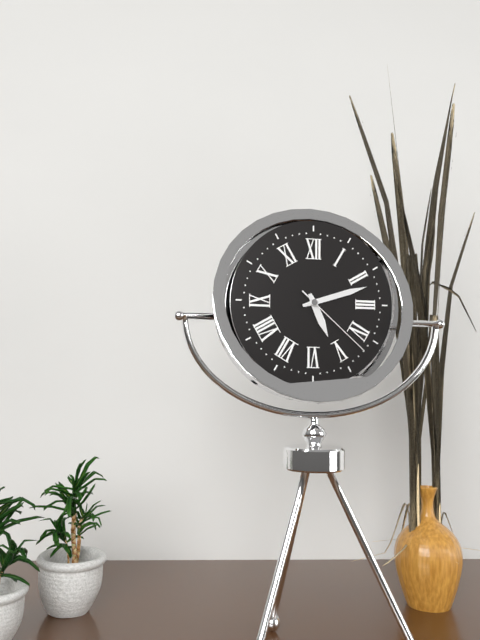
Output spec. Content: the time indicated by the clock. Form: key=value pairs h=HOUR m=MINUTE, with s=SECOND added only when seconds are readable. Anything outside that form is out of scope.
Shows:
h=5 m=12 s=22
